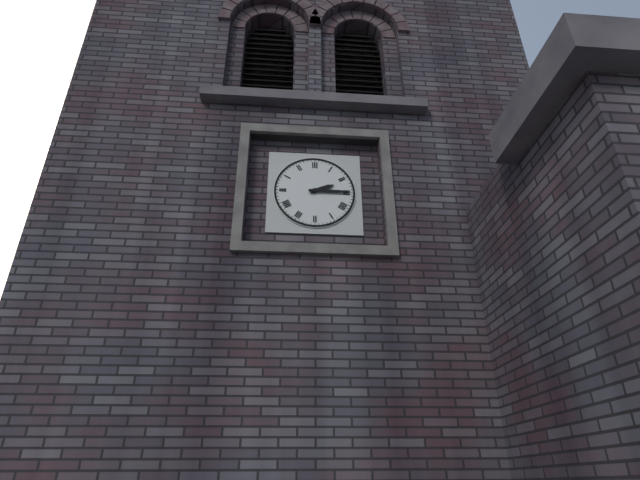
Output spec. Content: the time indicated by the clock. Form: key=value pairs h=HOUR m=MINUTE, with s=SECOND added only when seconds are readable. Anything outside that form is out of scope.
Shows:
h=2 m=15
